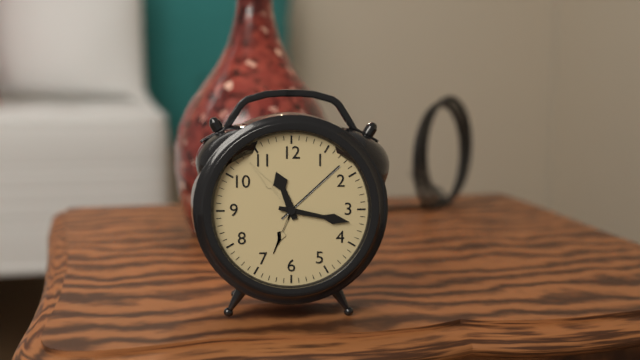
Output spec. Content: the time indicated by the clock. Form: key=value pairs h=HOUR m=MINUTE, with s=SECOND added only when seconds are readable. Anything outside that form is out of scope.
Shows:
h=11 m=17
